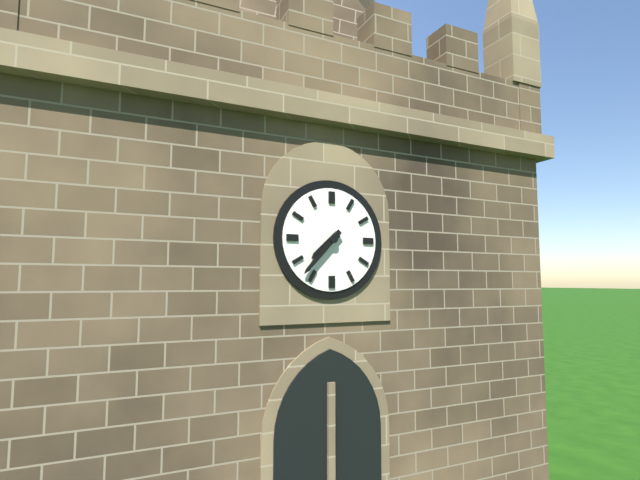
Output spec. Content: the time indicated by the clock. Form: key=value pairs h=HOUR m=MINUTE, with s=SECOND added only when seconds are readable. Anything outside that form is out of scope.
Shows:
h=7 m=37
